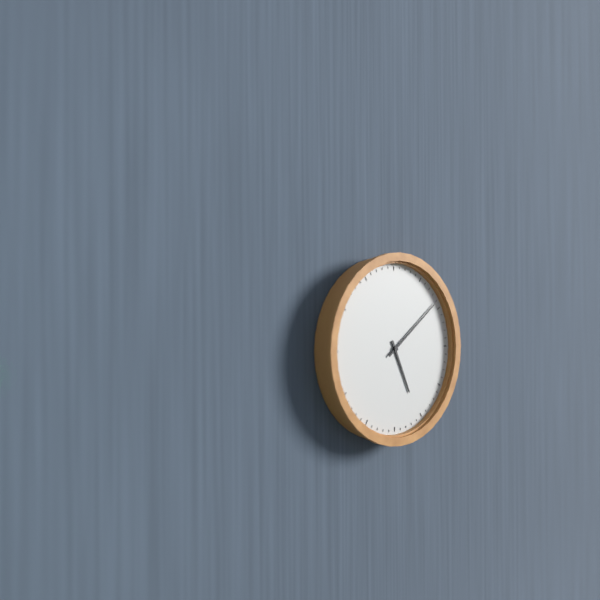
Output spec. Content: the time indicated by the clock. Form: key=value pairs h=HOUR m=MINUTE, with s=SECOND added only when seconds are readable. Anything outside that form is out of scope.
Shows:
h=5 m=9
